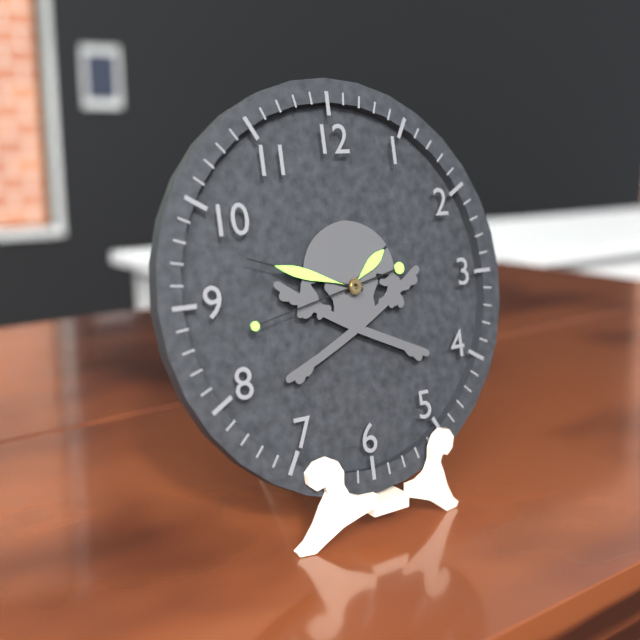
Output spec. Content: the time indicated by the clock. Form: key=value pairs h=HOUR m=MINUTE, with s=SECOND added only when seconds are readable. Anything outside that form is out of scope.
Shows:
h=1 m=48 s=43
